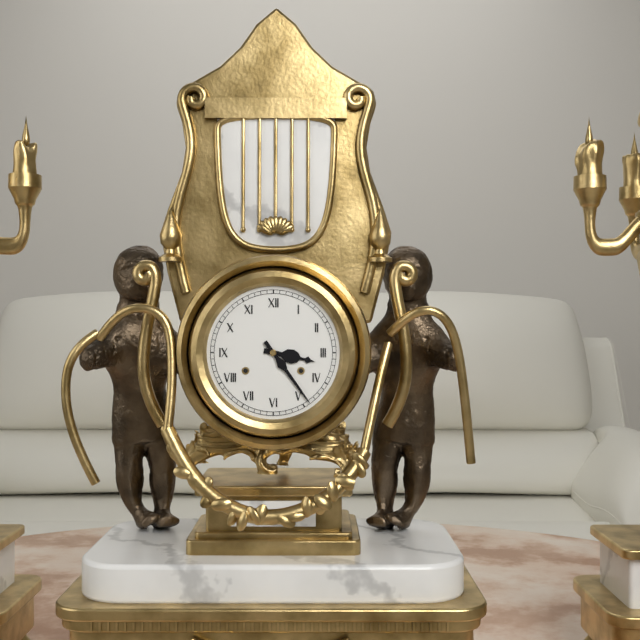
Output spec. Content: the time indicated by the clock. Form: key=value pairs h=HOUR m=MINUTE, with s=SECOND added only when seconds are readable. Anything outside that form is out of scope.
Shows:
h=3 m=24
